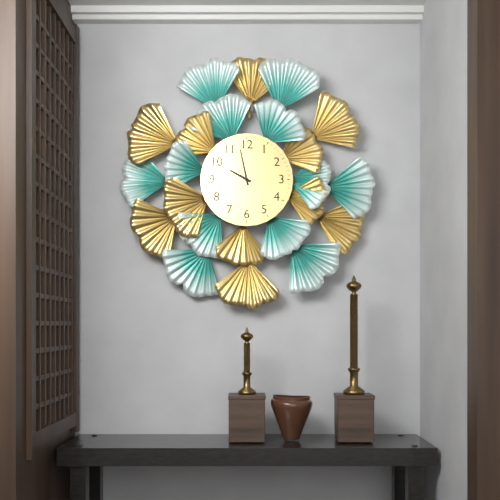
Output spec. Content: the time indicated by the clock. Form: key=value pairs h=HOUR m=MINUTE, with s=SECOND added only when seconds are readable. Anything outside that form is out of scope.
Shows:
h=9 m=58
